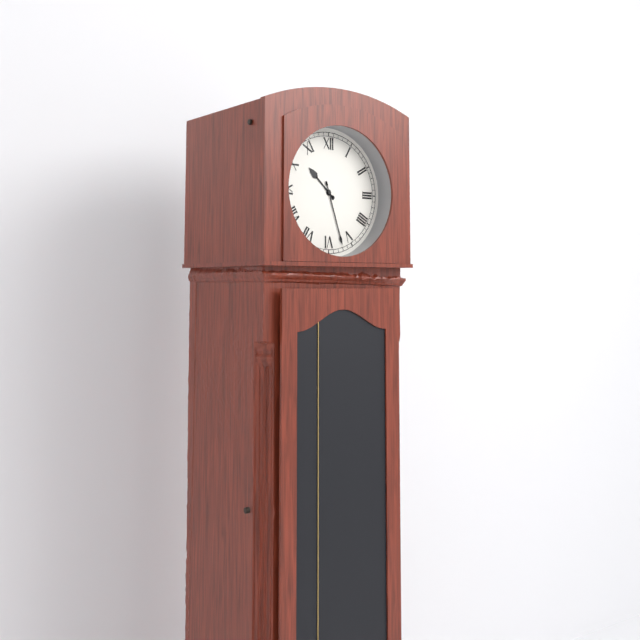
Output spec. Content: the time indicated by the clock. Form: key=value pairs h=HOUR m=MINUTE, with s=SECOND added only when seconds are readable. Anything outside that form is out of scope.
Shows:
h=10 m=27
